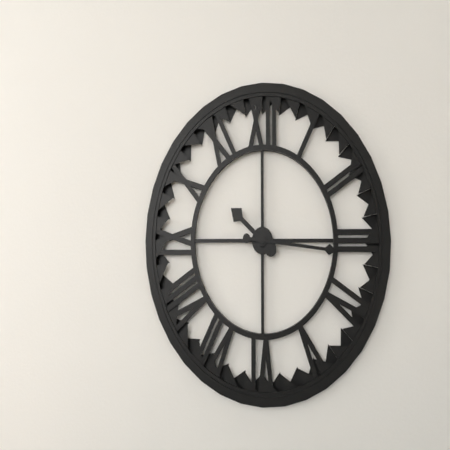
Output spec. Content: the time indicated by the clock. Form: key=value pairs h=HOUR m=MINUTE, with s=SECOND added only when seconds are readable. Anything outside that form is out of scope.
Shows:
h=10 m=16
